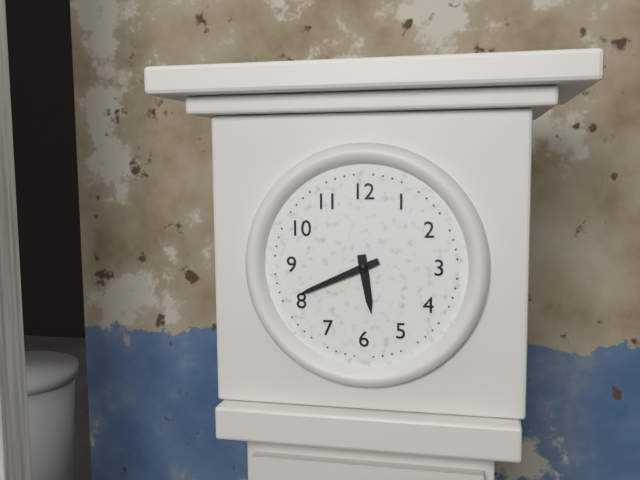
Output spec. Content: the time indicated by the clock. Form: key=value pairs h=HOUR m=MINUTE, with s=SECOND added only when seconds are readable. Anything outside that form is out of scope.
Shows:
h=5 m=41
